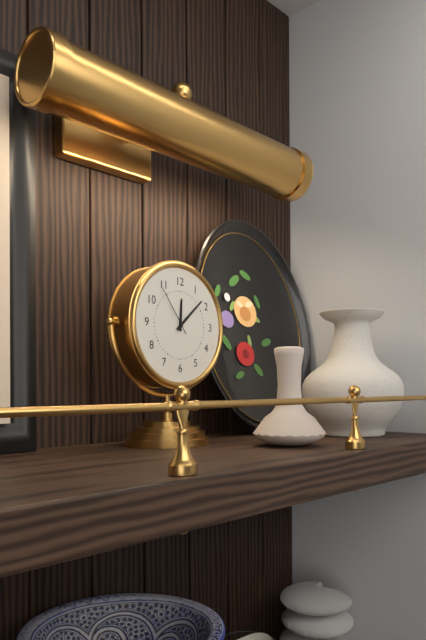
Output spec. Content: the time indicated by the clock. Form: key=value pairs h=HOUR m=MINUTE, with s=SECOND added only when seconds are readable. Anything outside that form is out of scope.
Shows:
h=12 m=8 s=54
